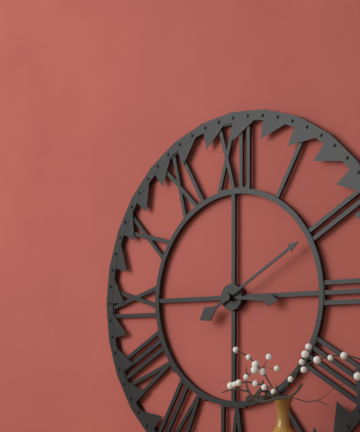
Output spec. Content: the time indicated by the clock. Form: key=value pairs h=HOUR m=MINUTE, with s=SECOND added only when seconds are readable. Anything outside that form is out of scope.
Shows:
h=3 m=10
